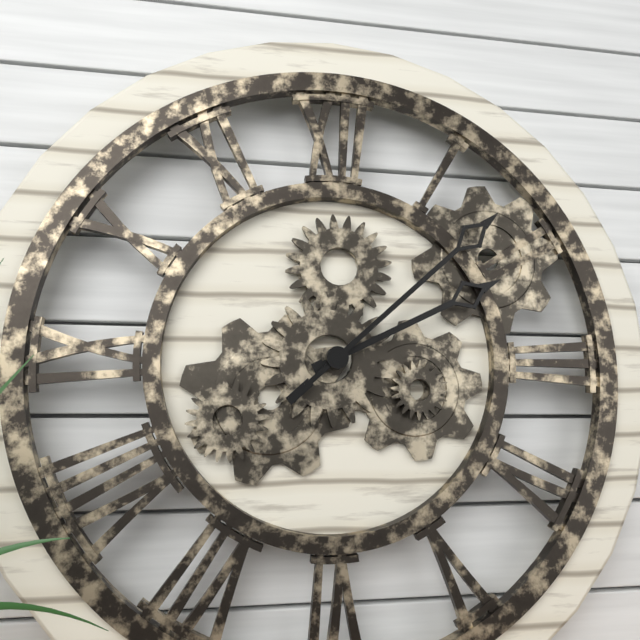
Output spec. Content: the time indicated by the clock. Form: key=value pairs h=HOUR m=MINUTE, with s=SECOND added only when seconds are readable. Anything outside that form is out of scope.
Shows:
h=2 m=8
